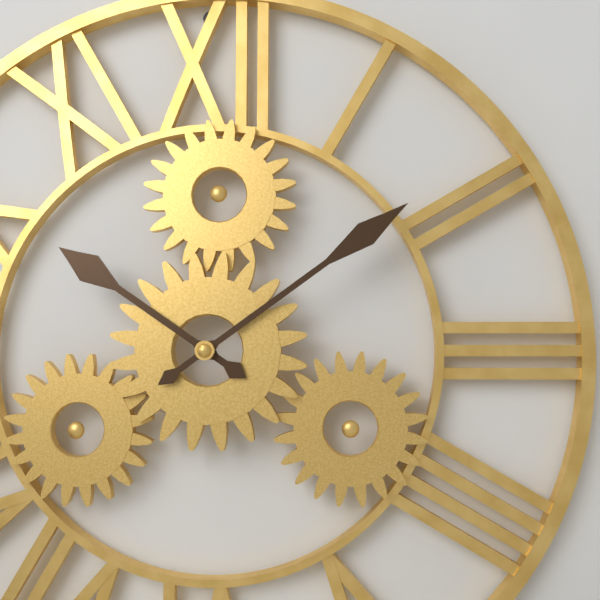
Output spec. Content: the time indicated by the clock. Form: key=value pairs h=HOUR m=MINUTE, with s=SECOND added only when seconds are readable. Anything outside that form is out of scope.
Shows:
h=10 m=9
